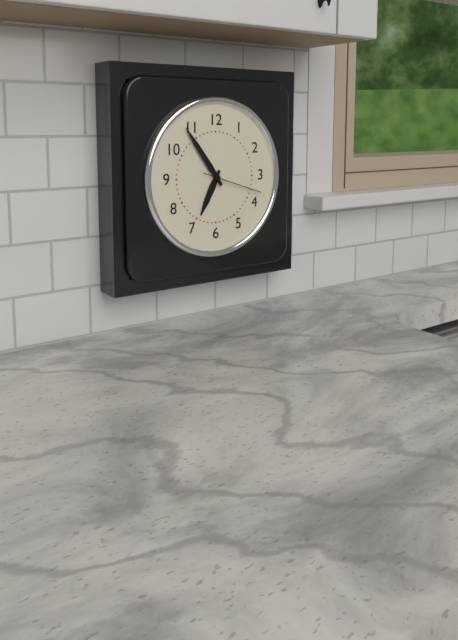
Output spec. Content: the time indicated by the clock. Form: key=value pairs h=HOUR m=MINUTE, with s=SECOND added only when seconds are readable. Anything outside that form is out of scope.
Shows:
h=6 m=54 s=18
